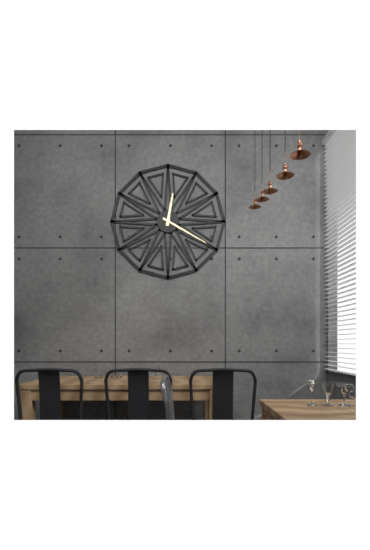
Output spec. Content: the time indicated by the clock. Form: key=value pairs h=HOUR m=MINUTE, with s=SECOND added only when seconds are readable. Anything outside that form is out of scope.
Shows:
h=12 m=20
